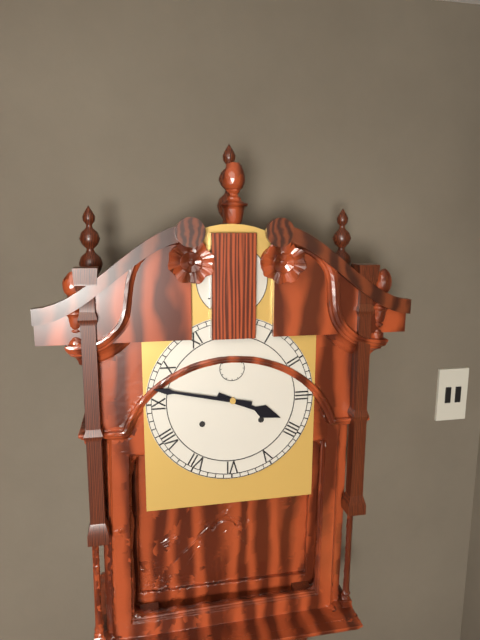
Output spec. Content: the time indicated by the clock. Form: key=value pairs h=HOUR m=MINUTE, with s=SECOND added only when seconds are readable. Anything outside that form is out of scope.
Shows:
h=3 m=47
